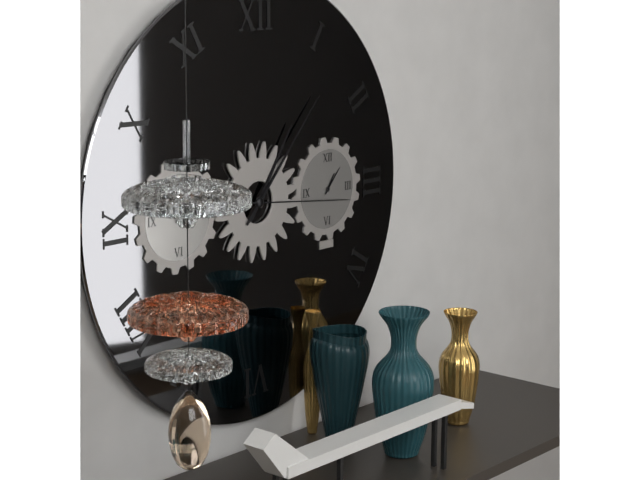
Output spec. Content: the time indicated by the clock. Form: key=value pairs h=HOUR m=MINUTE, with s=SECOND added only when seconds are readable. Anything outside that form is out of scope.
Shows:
h=1 m=7 s=16
